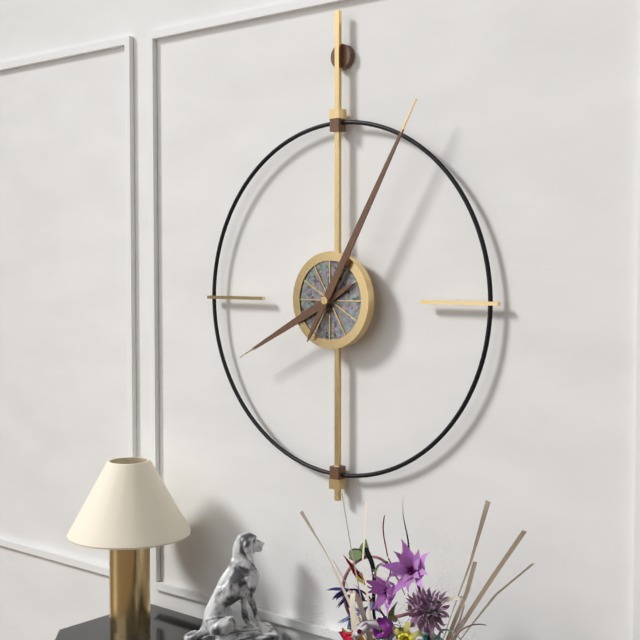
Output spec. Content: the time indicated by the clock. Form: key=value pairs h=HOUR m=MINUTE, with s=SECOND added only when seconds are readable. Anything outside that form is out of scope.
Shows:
h=8 m=5
